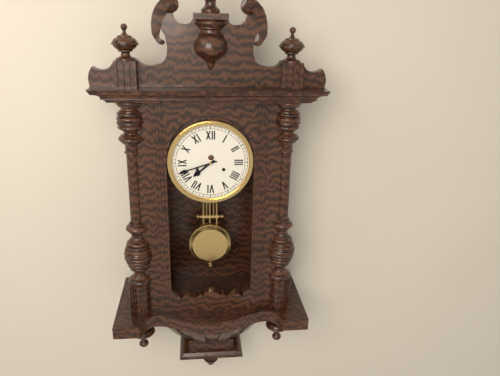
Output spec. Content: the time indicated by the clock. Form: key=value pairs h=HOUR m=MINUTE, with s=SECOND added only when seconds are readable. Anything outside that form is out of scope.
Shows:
h=7 m=42
